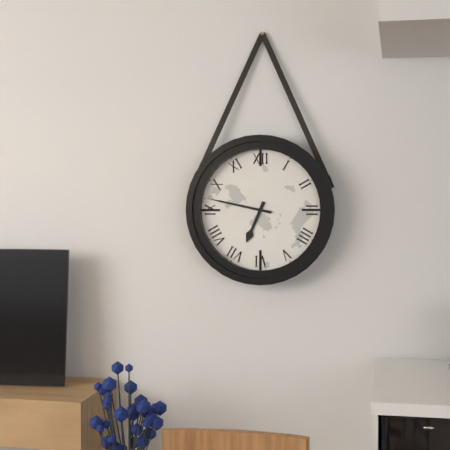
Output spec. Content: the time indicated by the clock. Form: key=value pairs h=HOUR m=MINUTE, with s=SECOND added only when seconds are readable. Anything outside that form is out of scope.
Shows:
h=6 m=47
